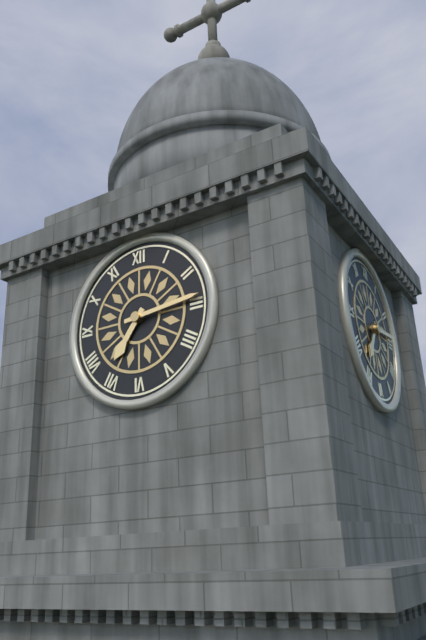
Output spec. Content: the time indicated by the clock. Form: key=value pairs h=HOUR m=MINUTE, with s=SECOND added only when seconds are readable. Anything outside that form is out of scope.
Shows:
h=7 m=14
